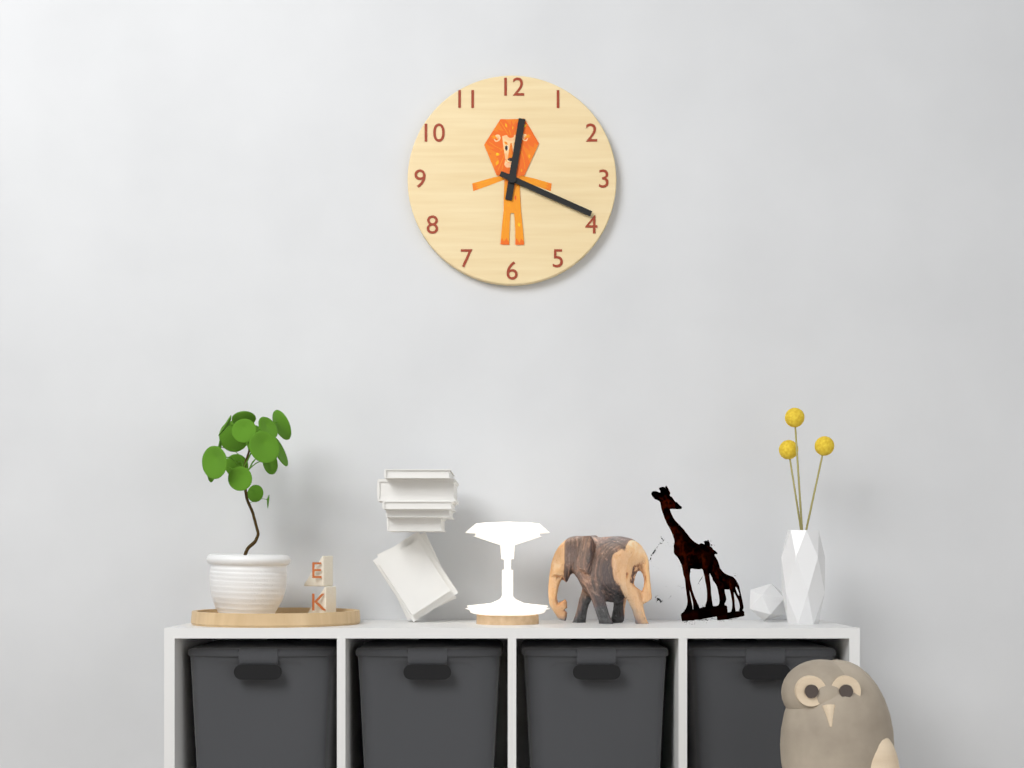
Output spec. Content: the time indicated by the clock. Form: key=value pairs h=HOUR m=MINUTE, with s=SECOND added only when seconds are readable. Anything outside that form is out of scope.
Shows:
h=12 m=19
